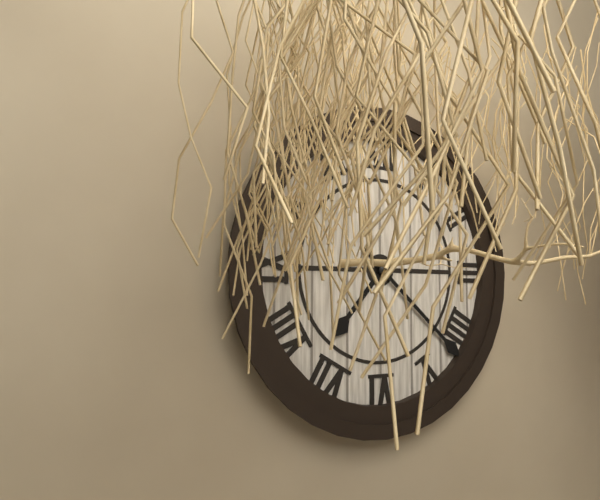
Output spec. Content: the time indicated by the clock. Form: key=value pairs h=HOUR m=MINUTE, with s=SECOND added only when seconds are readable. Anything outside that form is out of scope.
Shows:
h=7 m=22
